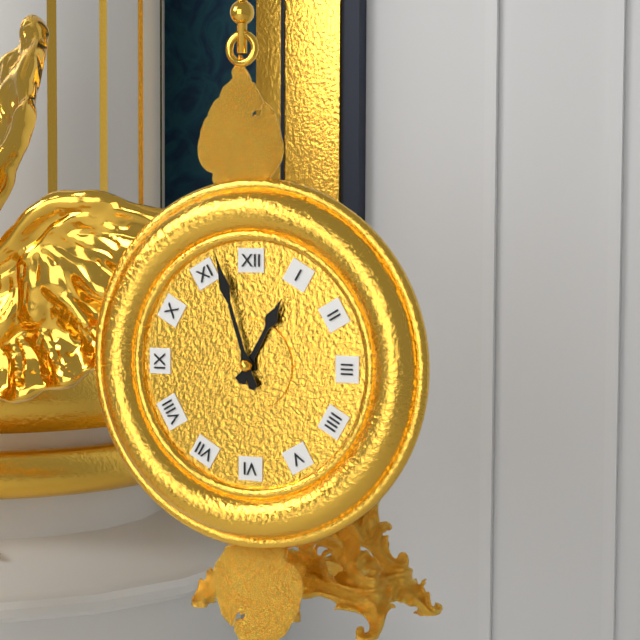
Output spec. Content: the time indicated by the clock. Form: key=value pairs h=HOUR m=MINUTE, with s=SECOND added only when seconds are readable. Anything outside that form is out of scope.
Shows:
h=12 m=57
